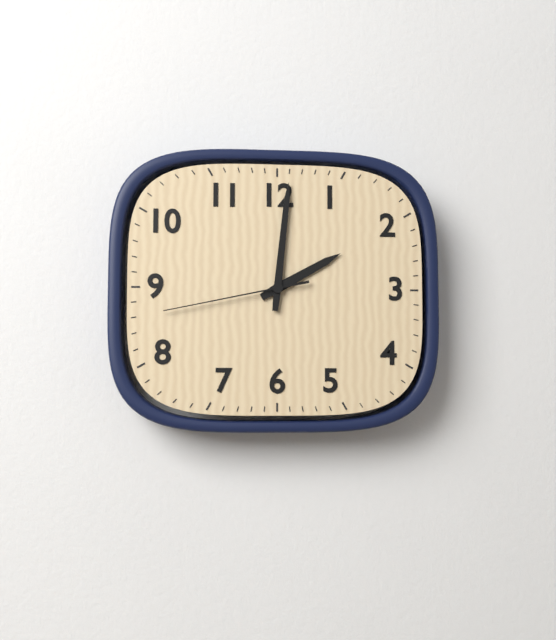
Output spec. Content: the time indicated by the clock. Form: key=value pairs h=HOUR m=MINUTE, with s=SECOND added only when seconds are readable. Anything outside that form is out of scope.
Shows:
h=2 m=1 s=43
